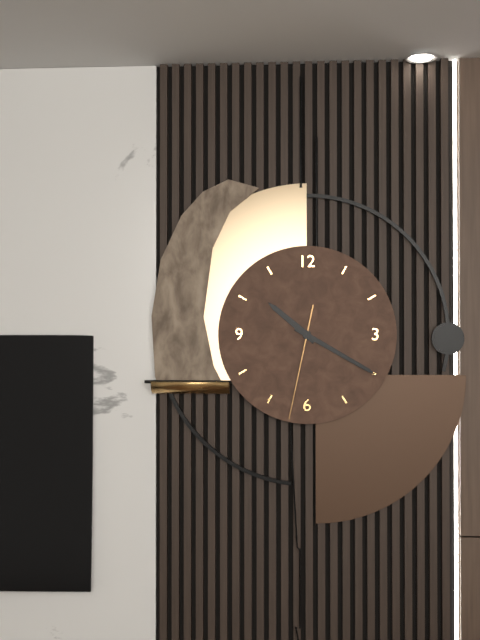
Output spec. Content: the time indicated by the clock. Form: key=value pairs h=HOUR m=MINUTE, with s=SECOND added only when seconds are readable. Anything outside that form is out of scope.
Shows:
h=10 m=20 s=32
